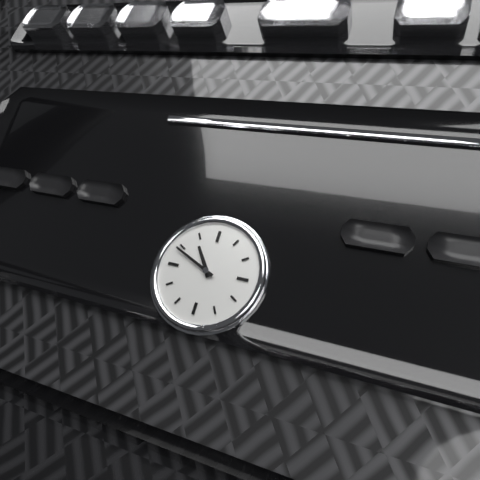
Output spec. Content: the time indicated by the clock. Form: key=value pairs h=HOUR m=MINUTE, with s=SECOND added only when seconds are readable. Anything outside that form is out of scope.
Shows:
h=10 m=49
